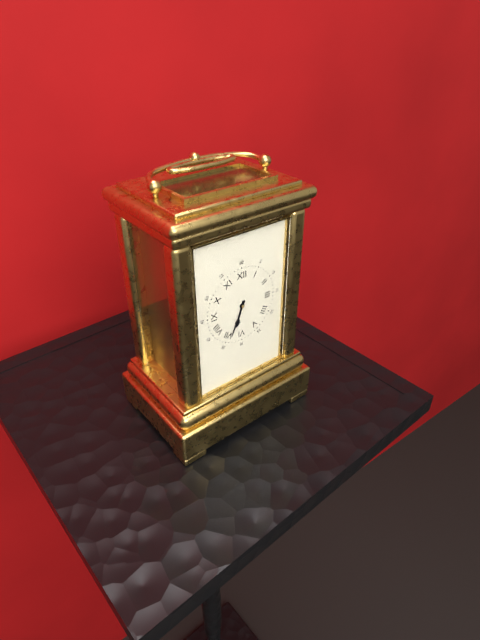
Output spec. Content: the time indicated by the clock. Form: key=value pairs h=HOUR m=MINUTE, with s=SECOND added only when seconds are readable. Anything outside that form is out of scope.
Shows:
h=6 m=34
